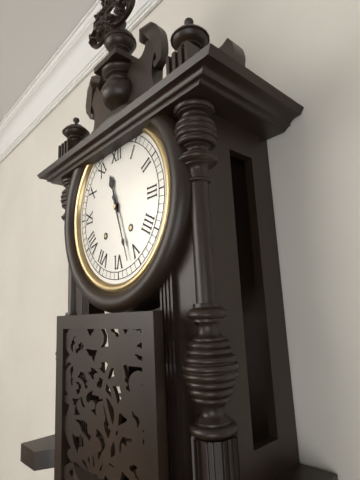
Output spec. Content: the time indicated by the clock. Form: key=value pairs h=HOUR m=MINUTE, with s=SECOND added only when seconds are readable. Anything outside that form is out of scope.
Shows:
h=11 m=27
